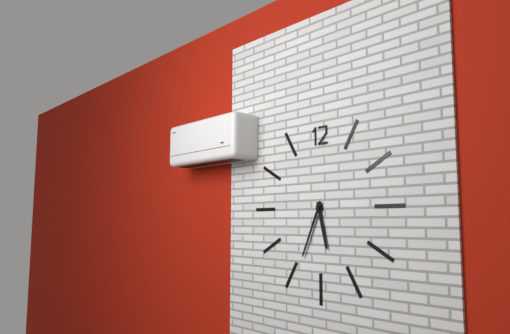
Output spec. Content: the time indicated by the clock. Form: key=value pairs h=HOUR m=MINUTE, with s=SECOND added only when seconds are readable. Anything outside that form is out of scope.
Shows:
h=5 m=34
